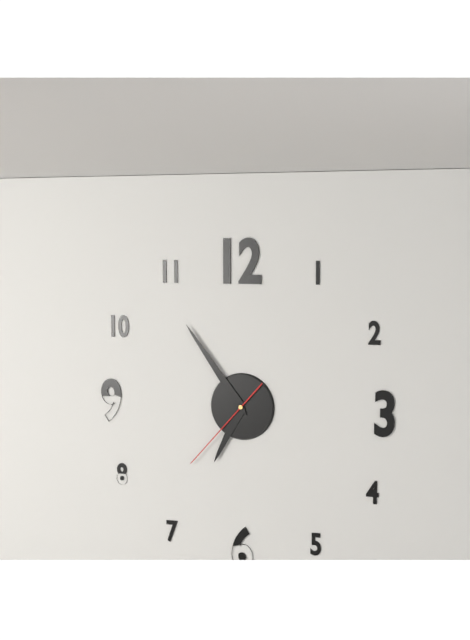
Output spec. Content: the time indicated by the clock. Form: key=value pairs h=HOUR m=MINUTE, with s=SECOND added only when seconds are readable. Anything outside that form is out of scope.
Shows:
h=6 m=54 s=37
